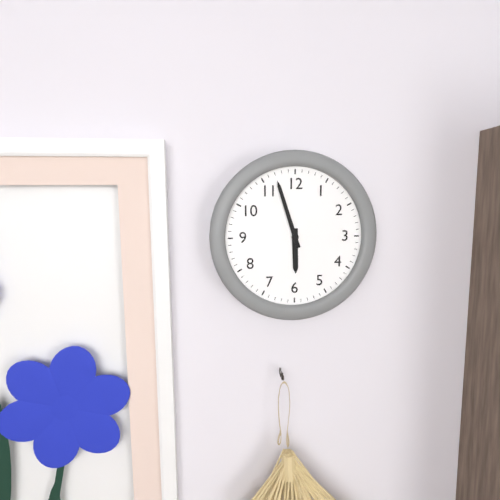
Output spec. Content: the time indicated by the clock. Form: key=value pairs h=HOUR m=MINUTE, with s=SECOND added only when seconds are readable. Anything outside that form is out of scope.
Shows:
h=5 m=57
